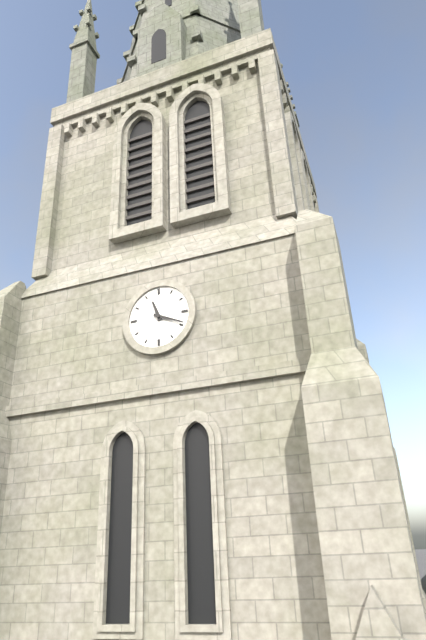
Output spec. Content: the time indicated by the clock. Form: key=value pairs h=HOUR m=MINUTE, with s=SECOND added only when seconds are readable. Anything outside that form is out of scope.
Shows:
h=11 m=19
